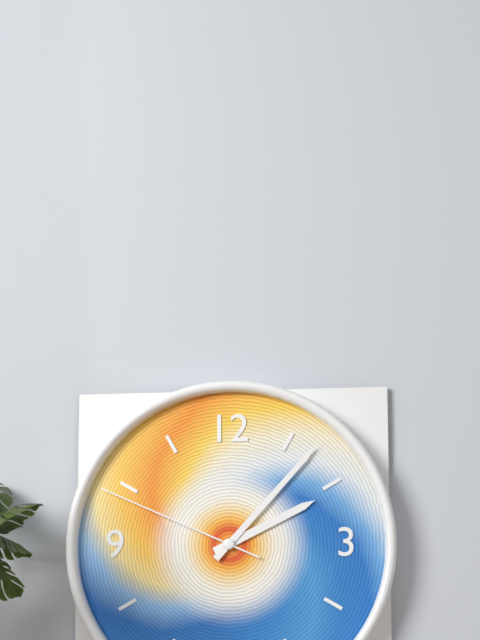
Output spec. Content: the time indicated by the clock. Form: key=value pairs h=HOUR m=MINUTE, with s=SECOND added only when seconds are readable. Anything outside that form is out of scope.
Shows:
h=2 m=7 s=49
